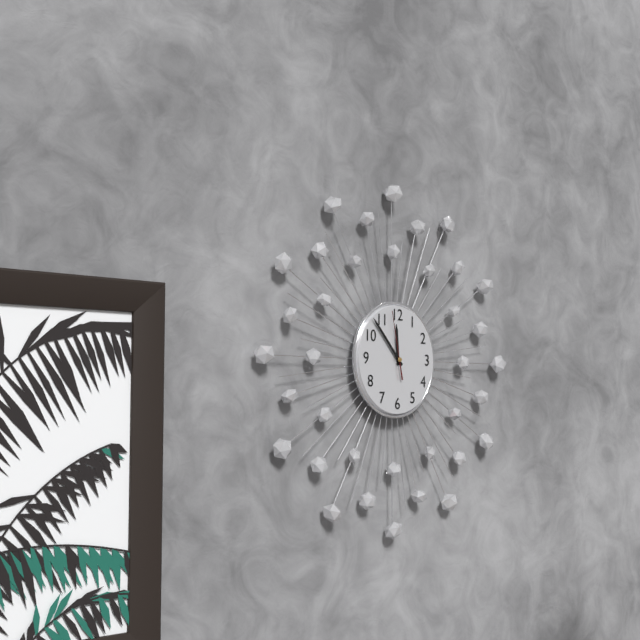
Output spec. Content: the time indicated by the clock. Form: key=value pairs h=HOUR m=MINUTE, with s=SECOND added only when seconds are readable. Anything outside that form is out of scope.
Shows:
h=11 m=53 s=58
